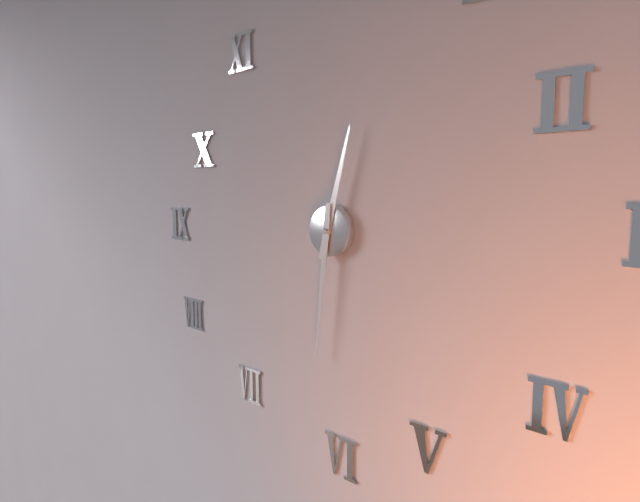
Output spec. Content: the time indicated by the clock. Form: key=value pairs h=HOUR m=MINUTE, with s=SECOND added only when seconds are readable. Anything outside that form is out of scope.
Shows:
h=12 m=31
